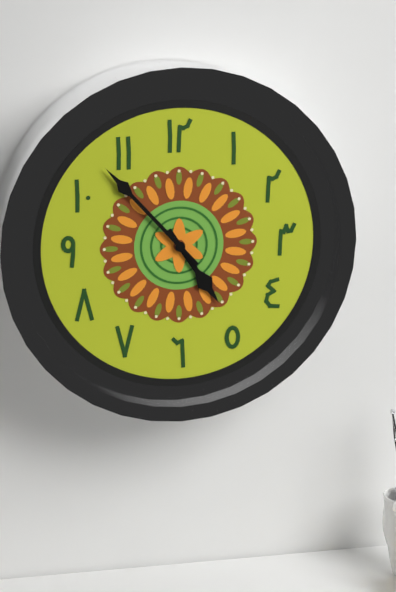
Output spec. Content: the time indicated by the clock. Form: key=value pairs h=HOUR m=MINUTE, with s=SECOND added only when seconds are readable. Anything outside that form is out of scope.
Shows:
h=4 m=53
